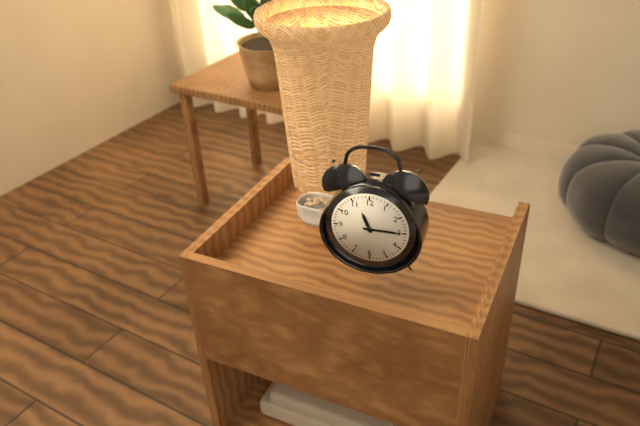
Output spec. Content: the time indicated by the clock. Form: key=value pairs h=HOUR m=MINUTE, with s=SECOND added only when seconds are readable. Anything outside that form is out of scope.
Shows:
h=11 m=15
